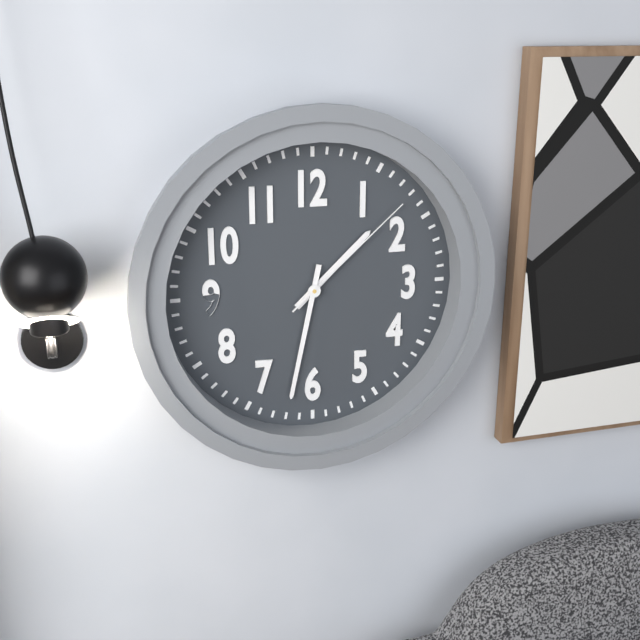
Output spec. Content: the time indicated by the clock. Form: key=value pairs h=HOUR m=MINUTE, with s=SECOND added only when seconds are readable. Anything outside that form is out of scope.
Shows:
h=1 m=32 s=8
